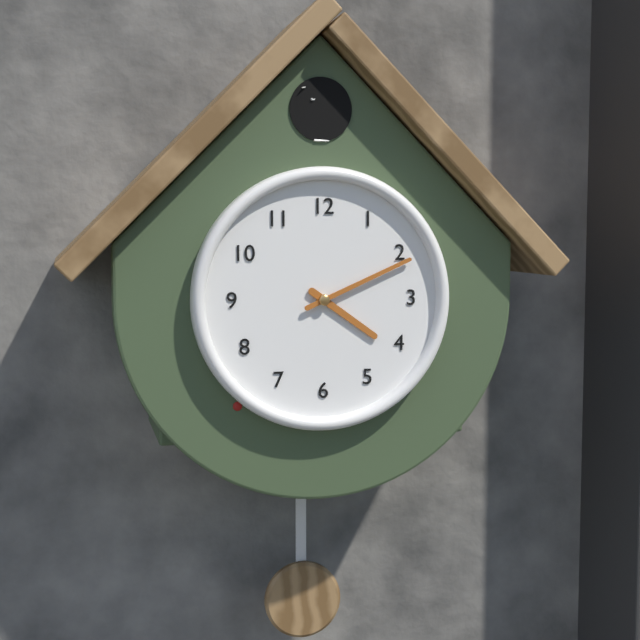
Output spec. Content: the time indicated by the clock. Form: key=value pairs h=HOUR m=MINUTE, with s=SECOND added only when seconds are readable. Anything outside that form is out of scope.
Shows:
h=4 m=11
